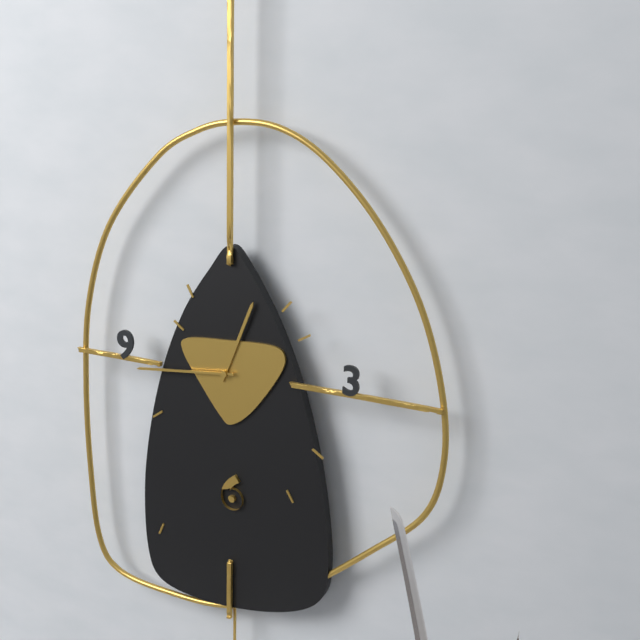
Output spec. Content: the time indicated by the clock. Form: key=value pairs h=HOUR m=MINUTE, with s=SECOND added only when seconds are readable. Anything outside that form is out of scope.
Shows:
h=12 m=44
